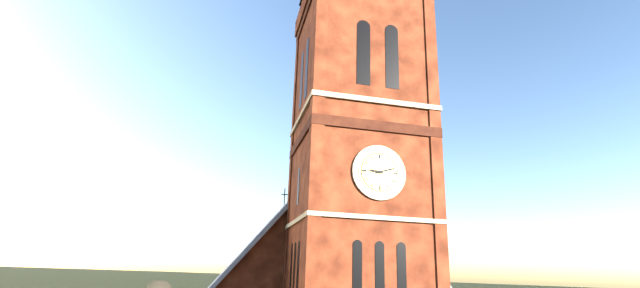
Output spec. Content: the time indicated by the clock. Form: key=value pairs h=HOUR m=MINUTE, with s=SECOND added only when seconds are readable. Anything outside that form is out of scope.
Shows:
h=9 m=12
